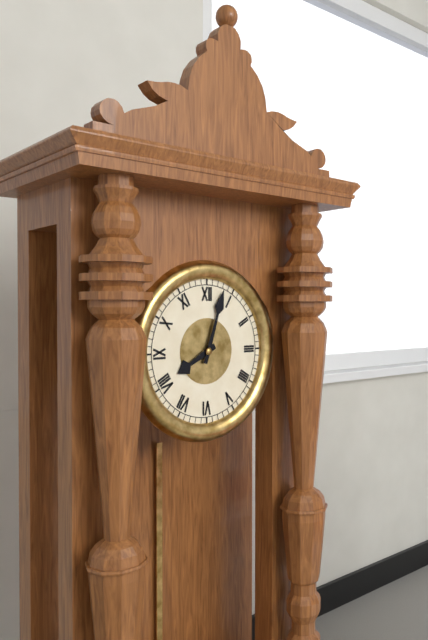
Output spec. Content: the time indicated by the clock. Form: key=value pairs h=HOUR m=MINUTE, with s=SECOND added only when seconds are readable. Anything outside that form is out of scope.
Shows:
h=8 m=3
